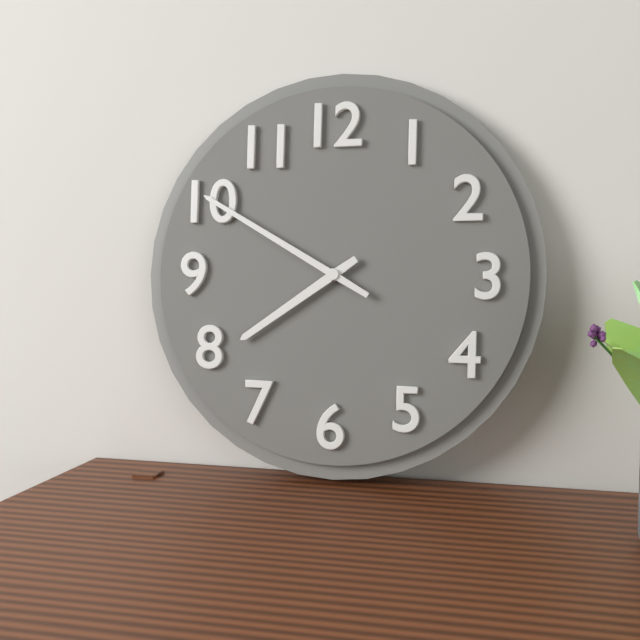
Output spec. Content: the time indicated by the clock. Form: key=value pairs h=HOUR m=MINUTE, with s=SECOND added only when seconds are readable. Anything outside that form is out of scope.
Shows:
h=7 m=50
